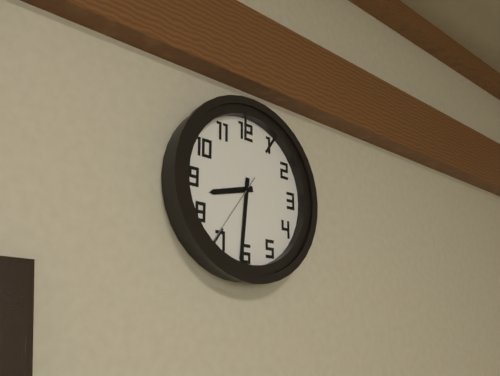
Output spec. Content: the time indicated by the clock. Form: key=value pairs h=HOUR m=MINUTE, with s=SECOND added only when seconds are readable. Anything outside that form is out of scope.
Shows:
h=8 m=31 s=36
